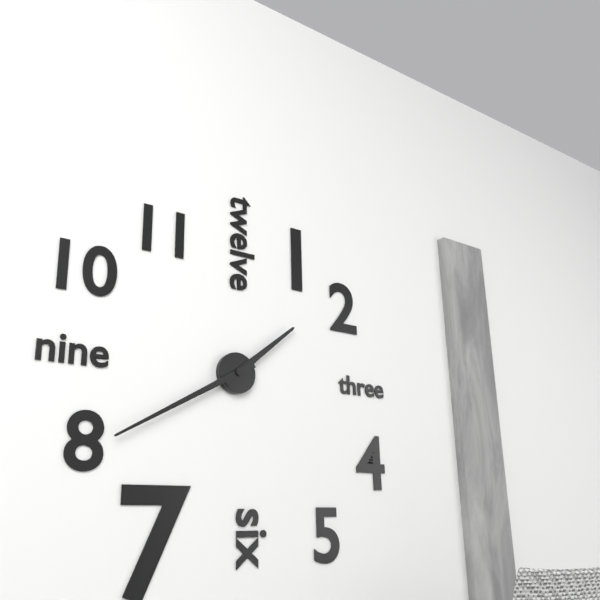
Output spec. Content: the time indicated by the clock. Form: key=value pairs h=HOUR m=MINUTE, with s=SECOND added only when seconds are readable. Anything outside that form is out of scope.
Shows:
h=1 m=40
